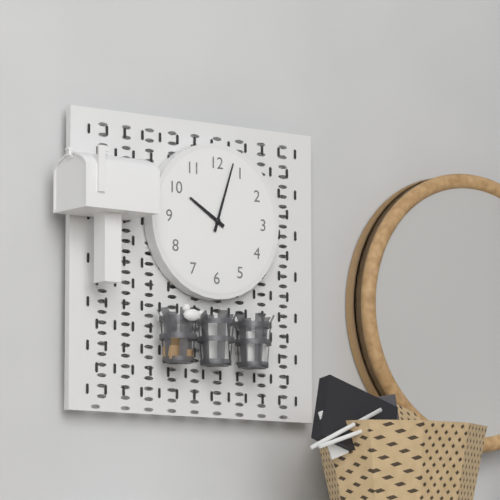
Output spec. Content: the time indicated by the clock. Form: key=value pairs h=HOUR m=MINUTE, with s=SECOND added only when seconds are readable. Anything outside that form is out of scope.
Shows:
h=10 m=3
